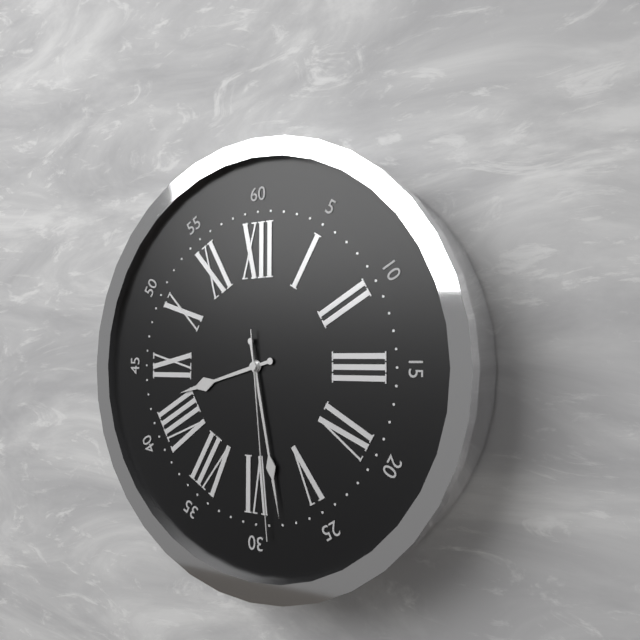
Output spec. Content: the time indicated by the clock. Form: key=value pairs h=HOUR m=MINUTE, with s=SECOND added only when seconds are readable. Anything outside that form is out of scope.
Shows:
h=8 m=28 s=29
